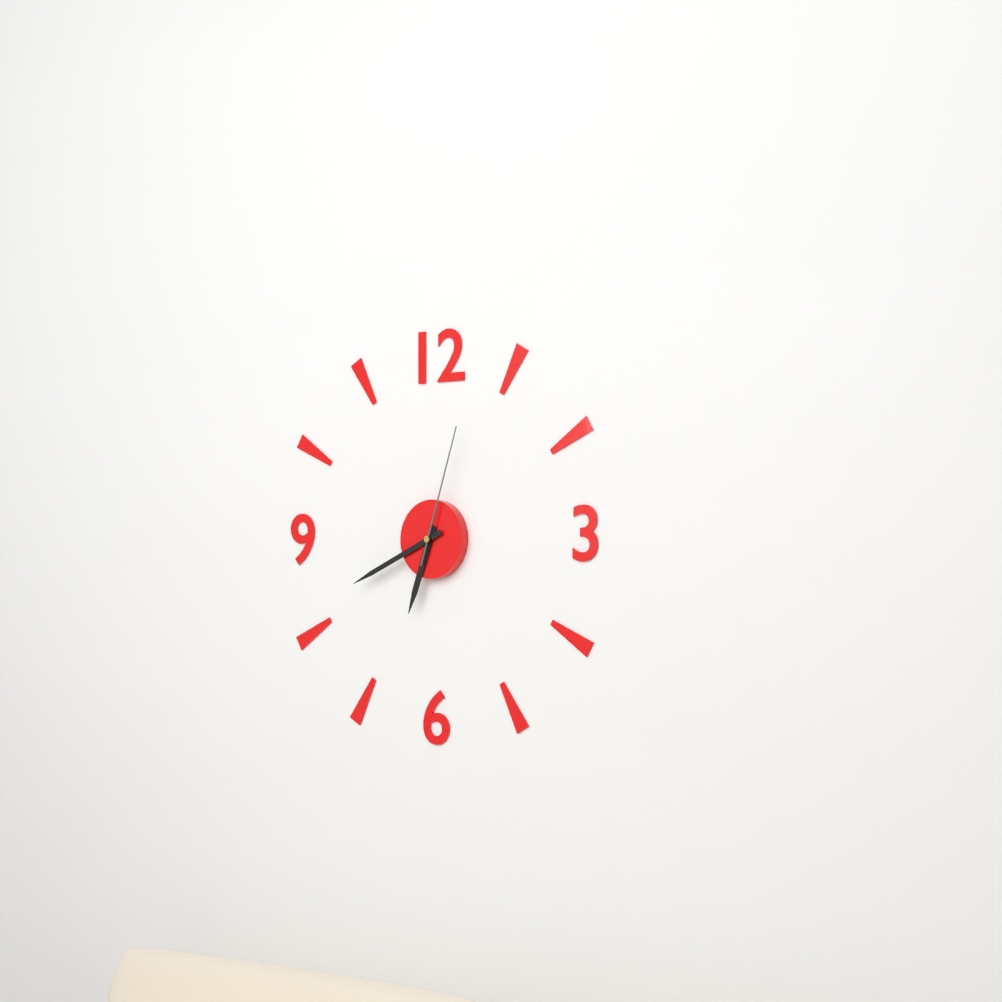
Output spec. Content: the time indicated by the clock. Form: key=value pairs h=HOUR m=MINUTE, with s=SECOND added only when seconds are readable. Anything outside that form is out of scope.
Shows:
h=6 m=41 s=3
